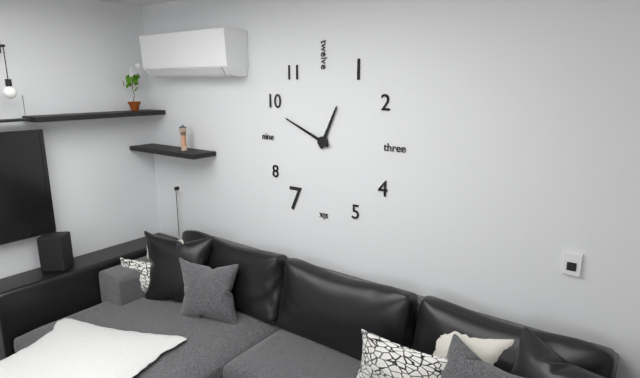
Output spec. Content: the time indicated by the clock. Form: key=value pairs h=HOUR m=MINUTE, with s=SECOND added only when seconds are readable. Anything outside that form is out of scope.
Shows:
h=12 m=49
